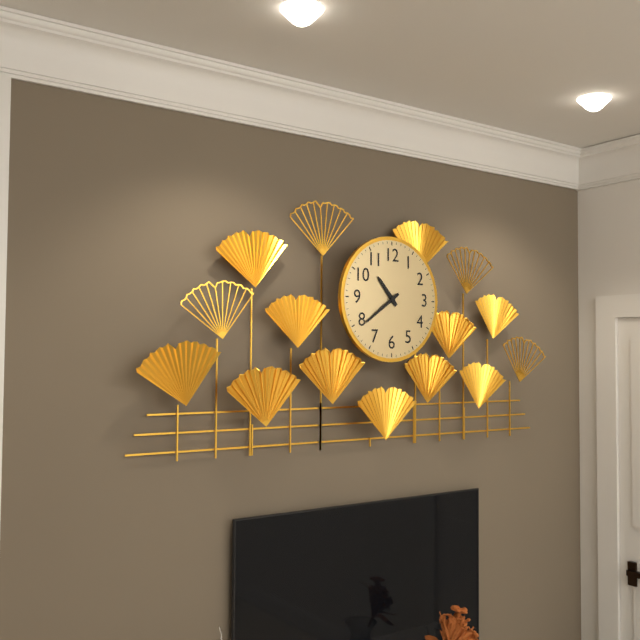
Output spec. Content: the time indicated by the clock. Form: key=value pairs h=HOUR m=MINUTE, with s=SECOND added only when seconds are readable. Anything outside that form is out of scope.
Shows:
h=10 m=39
